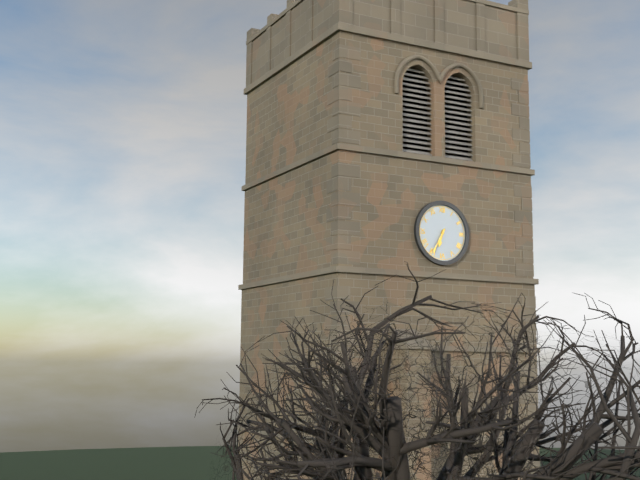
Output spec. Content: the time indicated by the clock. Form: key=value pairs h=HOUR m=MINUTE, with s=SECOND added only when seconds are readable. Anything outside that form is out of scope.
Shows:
h=6 m=35
